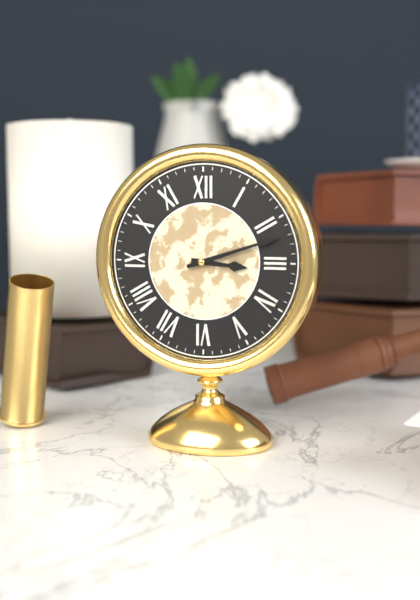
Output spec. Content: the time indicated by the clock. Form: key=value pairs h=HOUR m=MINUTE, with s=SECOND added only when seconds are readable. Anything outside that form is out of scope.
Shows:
h=3 m=12
